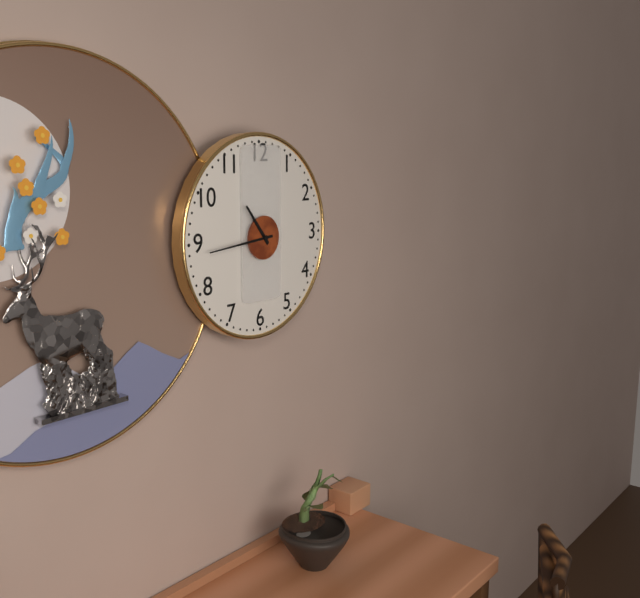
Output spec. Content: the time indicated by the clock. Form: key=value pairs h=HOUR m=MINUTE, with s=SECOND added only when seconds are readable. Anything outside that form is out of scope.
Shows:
h=10 m=44
